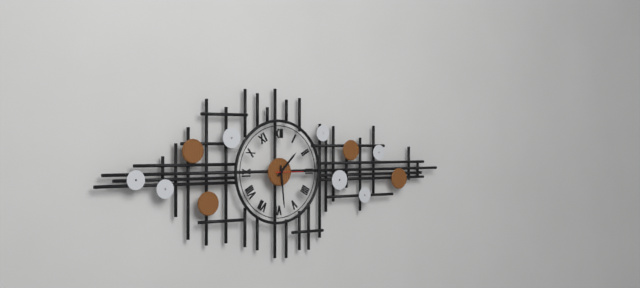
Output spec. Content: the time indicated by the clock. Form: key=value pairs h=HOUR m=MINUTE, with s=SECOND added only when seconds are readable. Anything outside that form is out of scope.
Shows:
h=1 m=29
